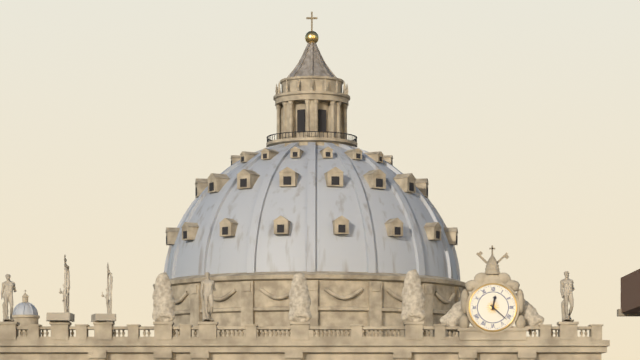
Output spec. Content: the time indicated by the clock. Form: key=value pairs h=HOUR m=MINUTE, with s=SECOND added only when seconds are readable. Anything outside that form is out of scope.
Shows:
h=12 m=22
